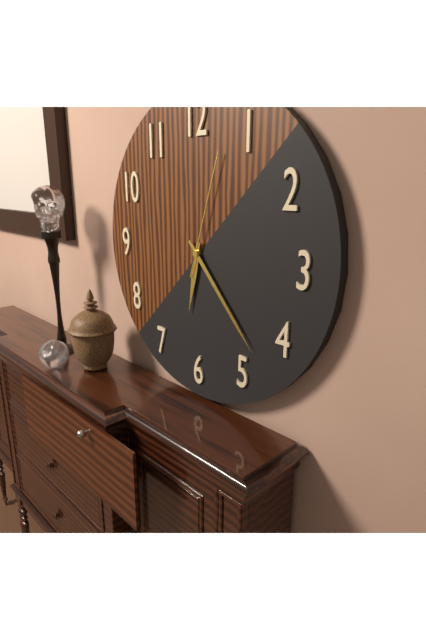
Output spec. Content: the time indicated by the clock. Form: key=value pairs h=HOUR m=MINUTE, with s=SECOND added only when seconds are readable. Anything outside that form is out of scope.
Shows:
h=6 m=23 s=3
